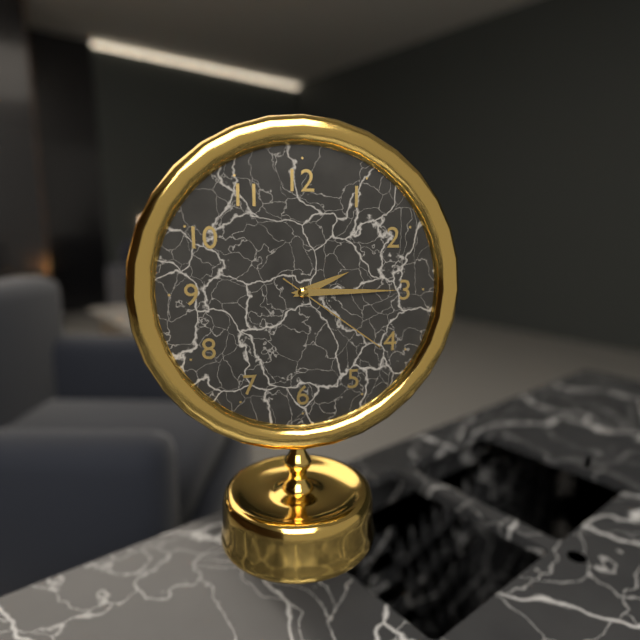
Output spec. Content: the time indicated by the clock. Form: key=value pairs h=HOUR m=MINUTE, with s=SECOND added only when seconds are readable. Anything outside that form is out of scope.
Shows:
h=2 m=15 s=21
